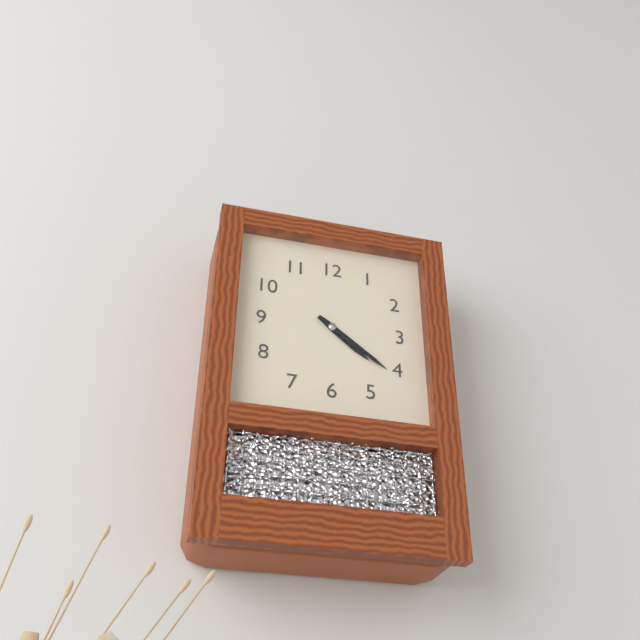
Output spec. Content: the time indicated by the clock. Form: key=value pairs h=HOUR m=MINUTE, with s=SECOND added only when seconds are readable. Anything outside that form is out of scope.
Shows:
h=4 m=21
